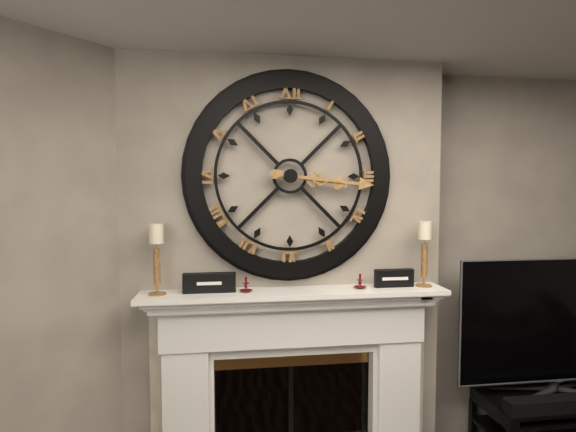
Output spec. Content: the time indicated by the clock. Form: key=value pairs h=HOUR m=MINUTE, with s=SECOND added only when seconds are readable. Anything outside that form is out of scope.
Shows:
h=3 m=16
